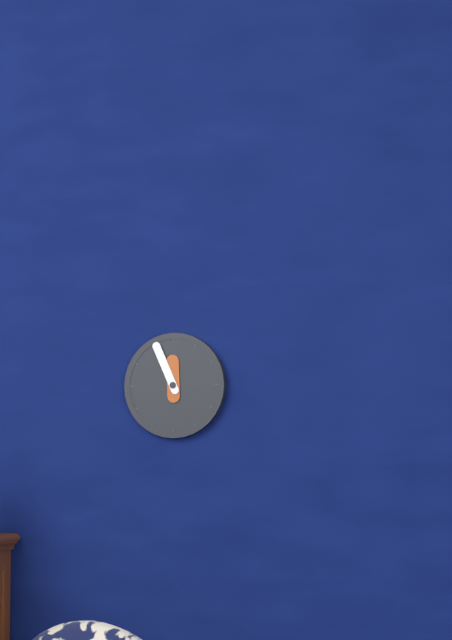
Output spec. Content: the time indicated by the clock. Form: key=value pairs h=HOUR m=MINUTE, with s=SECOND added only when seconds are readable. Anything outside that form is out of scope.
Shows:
h=11 m=56
